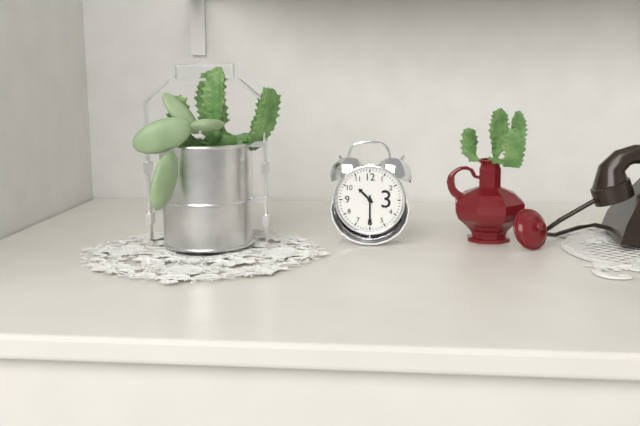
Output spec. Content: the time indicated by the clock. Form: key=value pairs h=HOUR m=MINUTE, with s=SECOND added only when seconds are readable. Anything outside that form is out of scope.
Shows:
h=10 m=30
